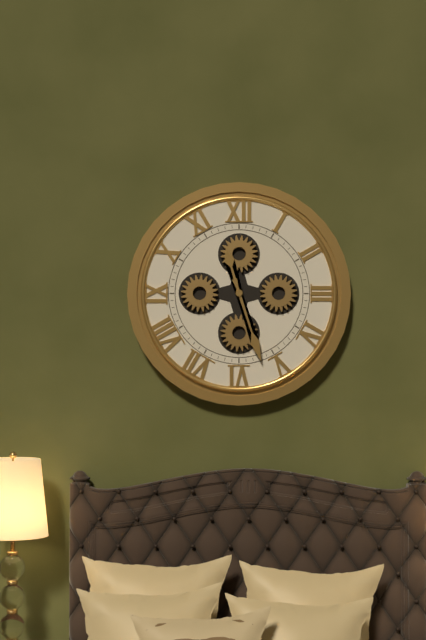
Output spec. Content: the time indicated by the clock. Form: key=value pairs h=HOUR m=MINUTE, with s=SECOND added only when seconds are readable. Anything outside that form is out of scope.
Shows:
h=11 m=27
